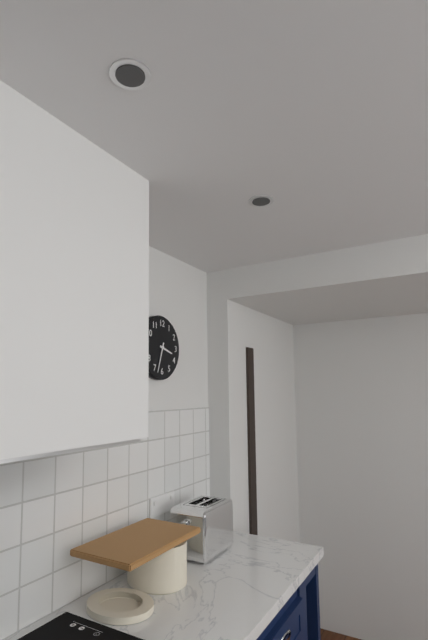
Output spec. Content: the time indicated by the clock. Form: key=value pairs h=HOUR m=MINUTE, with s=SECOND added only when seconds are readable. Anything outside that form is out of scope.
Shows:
h=3 m=33
